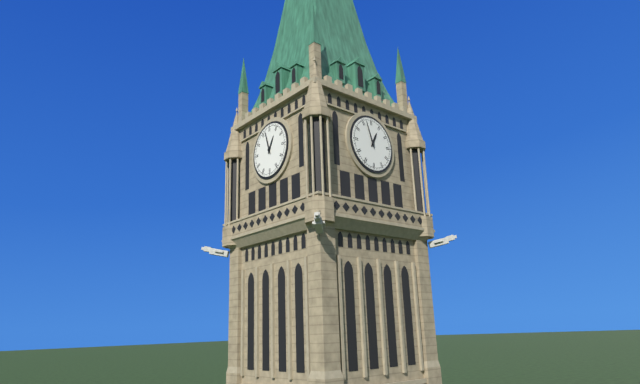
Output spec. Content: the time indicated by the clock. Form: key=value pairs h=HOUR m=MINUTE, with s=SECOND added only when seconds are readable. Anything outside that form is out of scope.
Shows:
h=12 m=57
